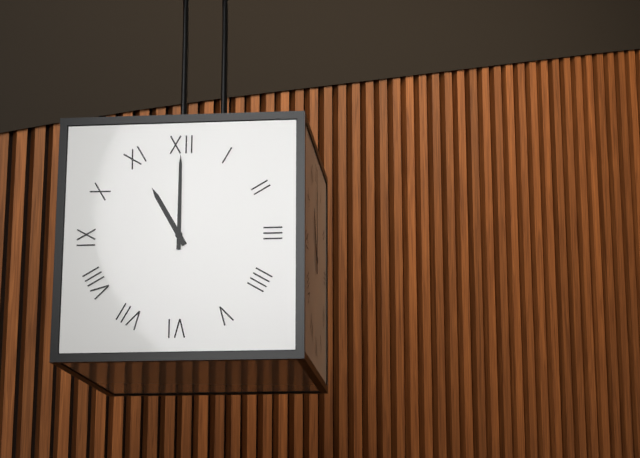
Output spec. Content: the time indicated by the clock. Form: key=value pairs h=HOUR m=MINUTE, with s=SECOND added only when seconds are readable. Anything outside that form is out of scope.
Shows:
h=11 m=0
